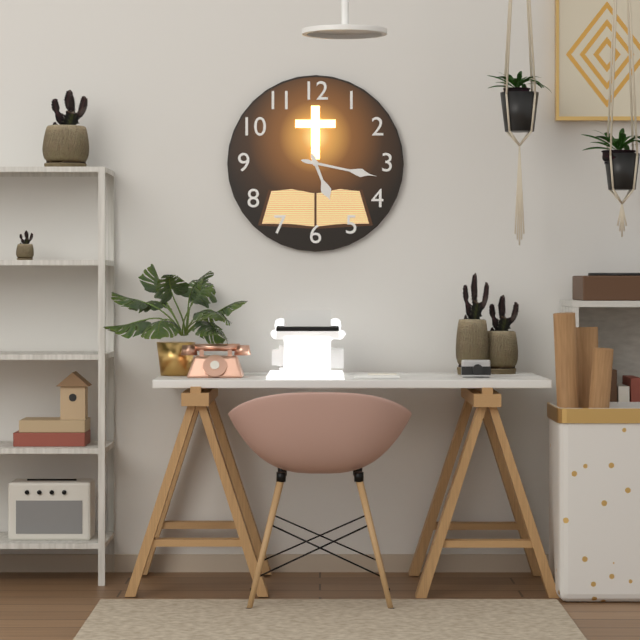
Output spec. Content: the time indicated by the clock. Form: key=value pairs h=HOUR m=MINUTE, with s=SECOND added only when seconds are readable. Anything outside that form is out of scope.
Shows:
h=5 m=17
